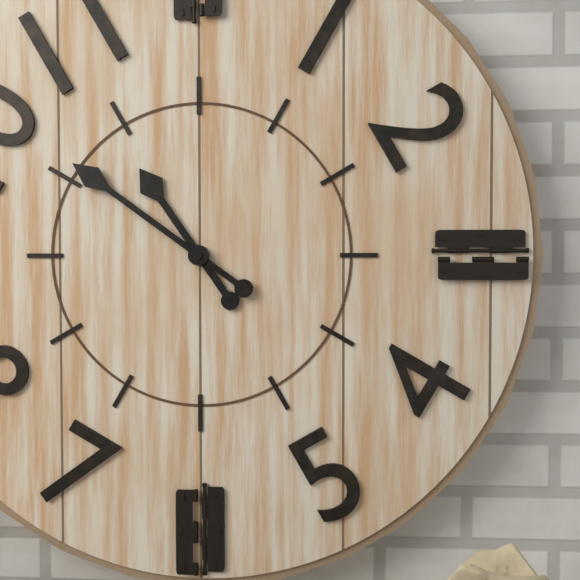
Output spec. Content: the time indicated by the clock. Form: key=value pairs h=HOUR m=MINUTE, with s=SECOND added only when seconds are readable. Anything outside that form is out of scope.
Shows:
h=10 m=51
